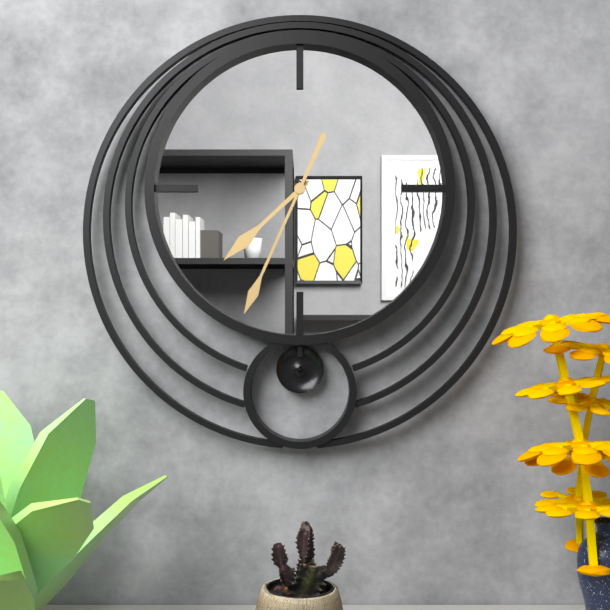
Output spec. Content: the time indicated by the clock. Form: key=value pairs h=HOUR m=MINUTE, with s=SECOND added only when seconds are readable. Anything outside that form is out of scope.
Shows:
h=7 m=34
